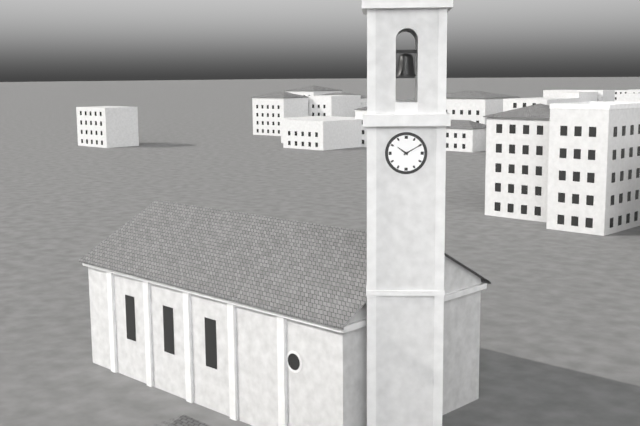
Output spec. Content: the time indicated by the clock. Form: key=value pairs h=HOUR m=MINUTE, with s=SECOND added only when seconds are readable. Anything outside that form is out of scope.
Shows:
h=10 m=10
